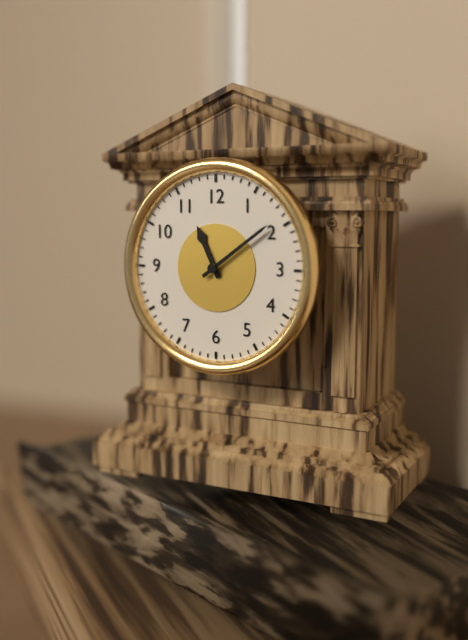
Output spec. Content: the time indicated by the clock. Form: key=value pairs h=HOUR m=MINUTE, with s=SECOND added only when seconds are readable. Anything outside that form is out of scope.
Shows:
h=11 m=9
